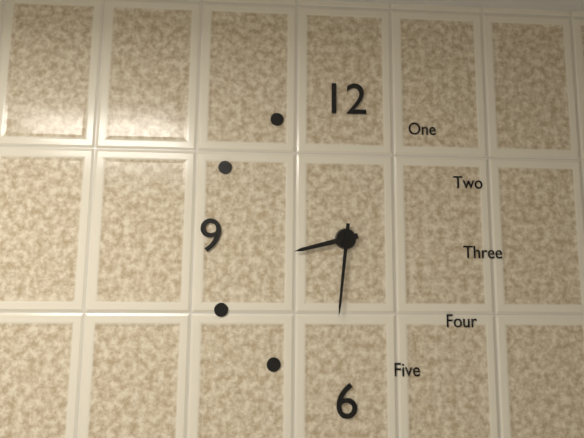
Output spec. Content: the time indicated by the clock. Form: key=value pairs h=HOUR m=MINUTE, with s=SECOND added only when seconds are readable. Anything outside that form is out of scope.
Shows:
h=8 m=31
